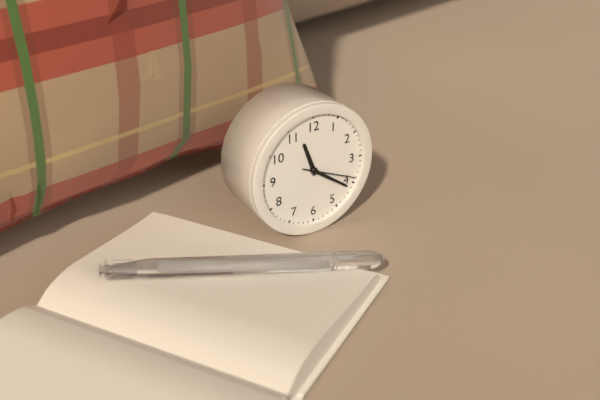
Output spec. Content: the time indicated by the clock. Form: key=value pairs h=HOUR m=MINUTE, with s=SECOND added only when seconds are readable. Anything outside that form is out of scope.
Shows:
h=11 m=21 s=19
